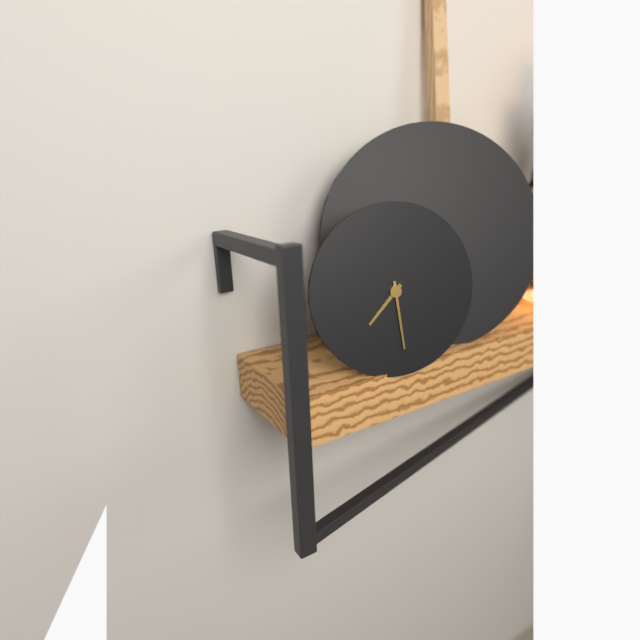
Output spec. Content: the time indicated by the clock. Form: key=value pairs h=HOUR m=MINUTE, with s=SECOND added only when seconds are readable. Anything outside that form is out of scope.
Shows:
h=7 m=29
